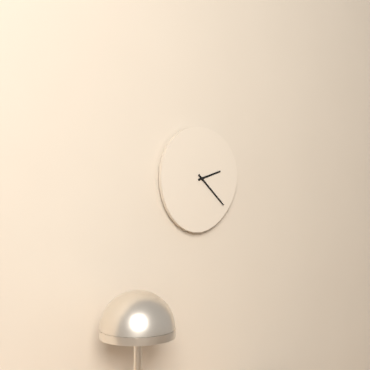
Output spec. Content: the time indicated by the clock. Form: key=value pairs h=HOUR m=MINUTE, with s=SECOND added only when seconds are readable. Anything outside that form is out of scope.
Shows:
h=2 m=22
